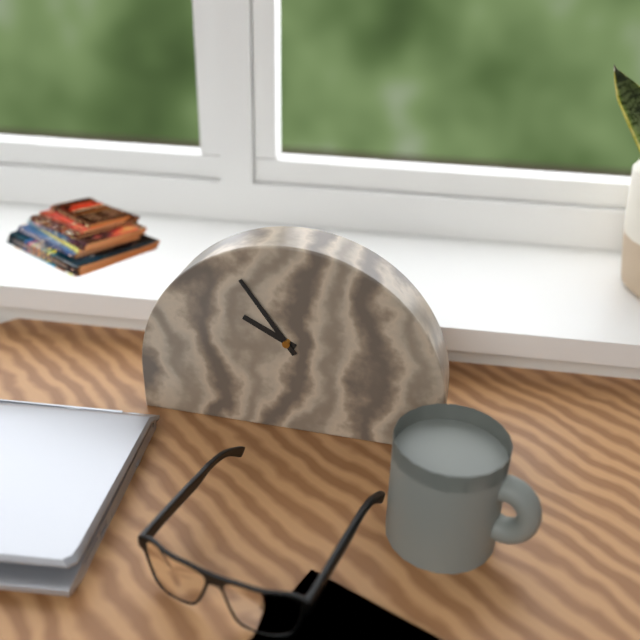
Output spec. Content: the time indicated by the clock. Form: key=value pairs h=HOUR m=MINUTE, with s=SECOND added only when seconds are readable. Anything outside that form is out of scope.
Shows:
h=9 m=54
